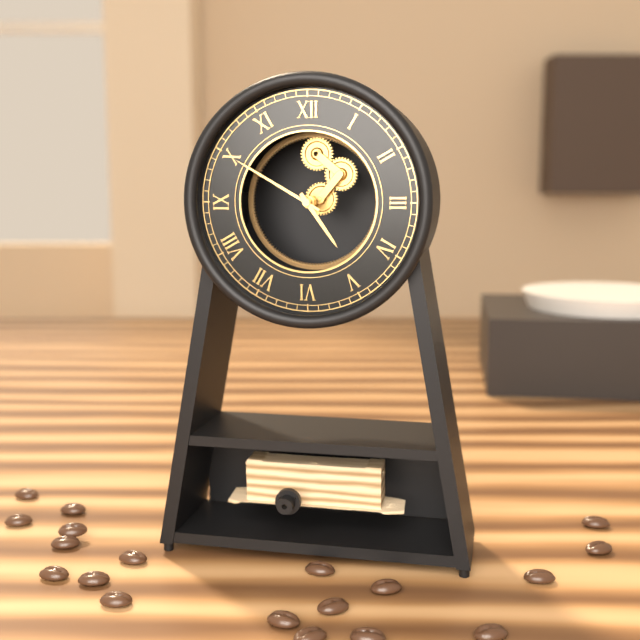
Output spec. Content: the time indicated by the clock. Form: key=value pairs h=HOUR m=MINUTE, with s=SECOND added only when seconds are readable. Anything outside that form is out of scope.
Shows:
h=4 m=50
